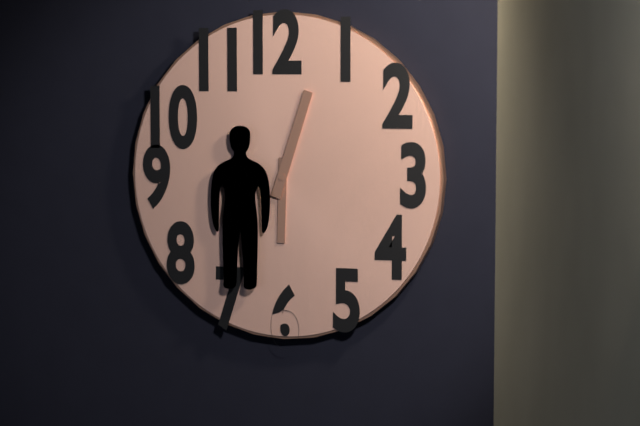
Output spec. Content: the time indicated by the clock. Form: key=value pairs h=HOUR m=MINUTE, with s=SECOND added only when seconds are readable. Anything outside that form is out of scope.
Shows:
h=6 m=3
